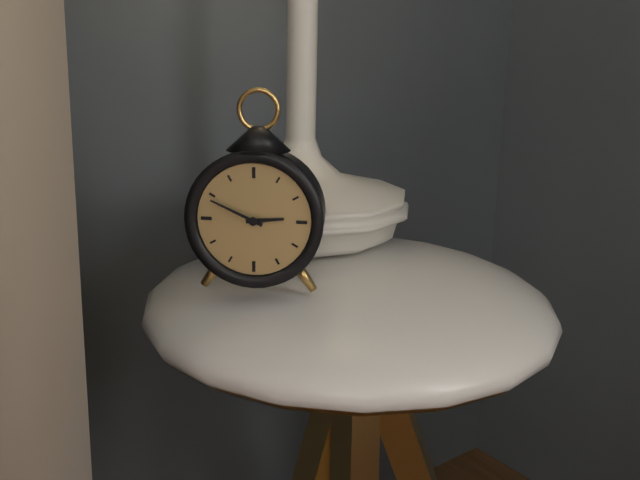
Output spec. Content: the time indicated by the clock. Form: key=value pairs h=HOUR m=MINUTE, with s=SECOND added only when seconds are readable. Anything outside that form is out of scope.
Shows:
h=2 m=49
